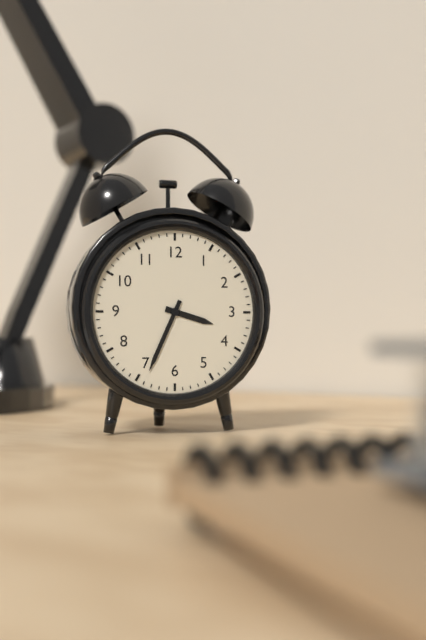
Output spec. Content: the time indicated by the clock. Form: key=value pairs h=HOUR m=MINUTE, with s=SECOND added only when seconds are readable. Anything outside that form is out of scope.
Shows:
h=3 m=34
